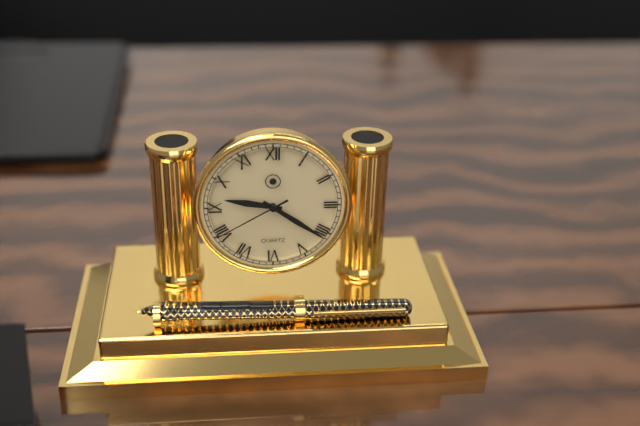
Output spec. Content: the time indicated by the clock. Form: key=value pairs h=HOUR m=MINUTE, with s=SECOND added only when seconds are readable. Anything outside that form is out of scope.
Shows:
h=9 m=21 s=40
